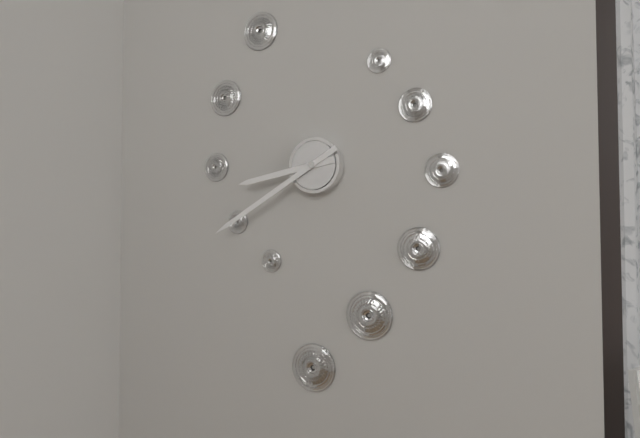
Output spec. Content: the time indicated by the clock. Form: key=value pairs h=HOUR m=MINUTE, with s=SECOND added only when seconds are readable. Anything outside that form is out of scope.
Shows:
h=8 m=40
